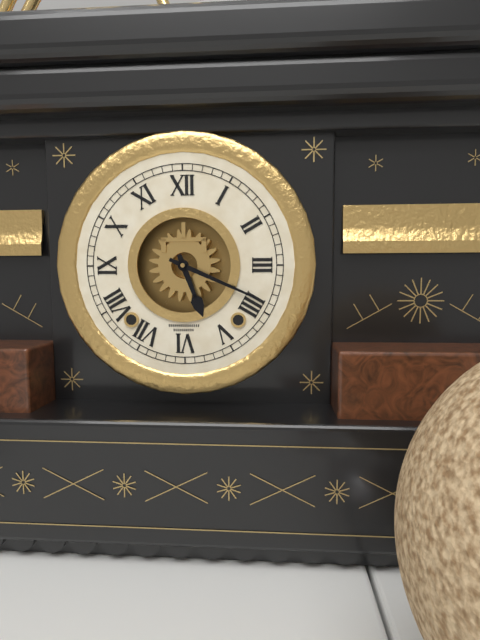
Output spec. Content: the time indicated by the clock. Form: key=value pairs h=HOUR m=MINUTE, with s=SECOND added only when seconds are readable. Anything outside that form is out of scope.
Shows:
h=5 m=19
